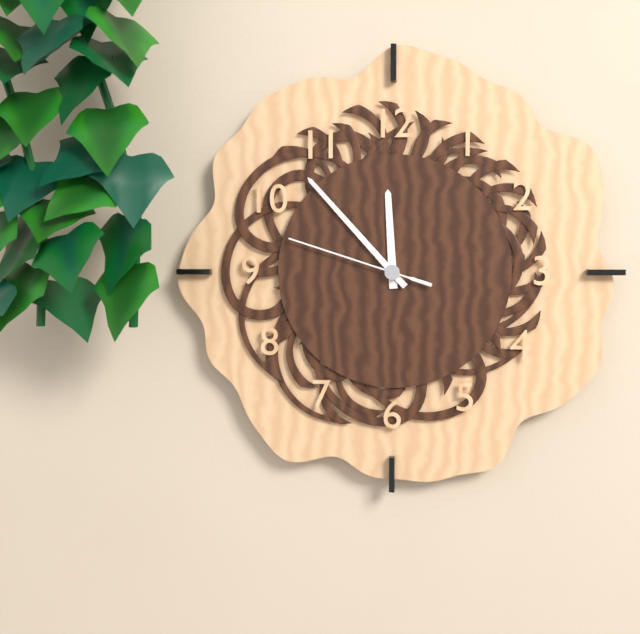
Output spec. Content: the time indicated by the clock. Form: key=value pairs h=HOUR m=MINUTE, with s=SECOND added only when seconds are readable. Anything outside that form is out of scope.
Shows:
h=11 m=53 s=48
